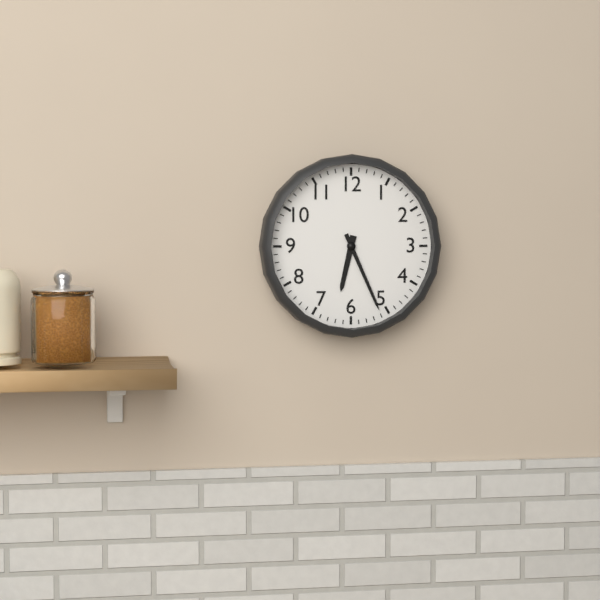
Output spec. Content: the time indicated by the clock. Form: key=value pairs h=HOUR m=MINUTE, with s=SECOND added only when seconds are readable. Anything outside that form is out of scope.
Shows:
h=6 m=26
